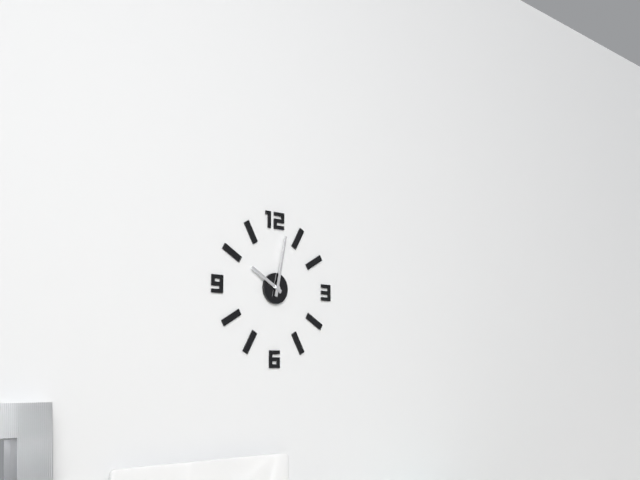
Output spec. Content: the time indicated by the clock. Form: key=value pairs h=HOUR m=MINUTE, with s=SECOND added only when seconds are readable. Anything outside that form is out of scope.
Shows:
h=10 m=2
